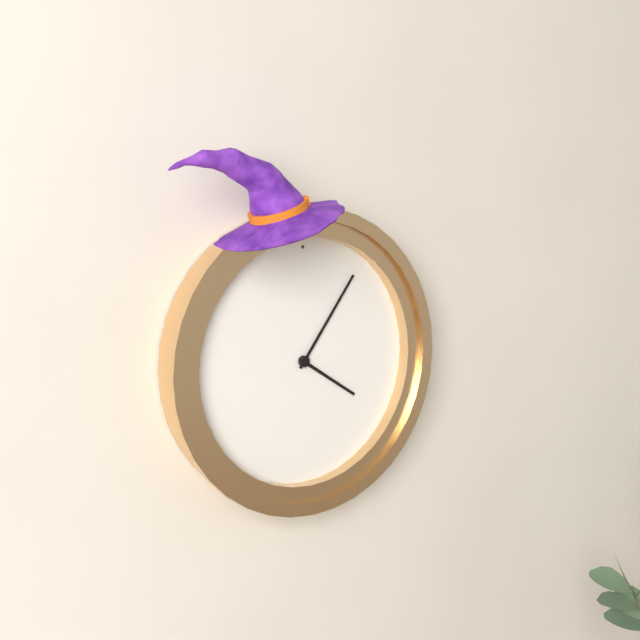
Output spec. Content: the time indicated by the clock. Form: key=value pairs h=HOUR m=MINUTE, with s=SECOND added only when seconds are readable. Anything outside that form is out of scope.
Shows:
h=4 m=6
